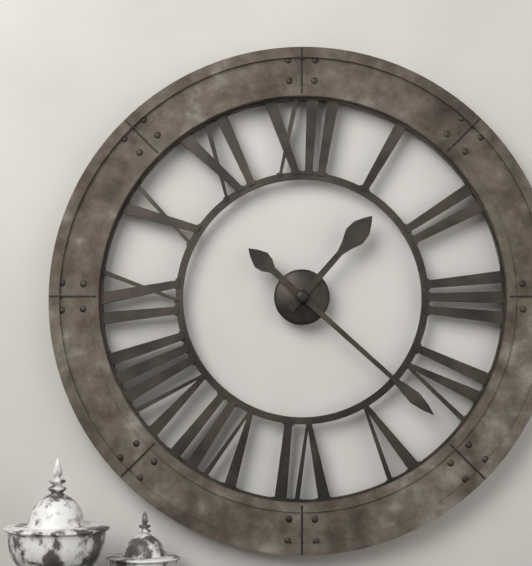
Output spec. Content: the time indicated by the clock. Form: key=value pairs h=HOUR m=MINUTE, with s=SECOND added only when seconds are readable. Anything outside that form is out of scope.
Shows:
h=1 m=22
